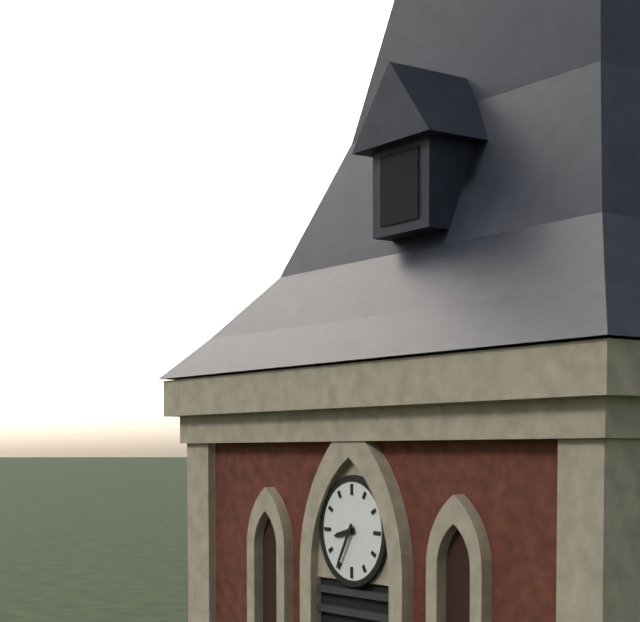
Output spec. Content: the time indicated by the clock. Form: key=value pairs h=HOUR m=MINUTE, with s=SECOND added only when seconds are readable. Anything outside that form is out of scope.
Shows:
h=8 m=35
